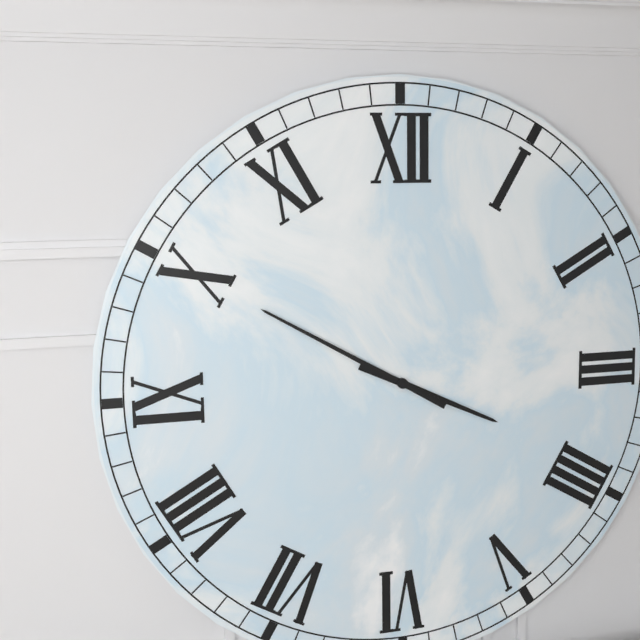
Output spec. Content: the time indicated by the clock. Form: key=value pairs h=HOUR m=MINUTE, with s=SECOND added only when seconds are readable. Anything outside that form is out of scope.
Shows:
h=3 m=50
